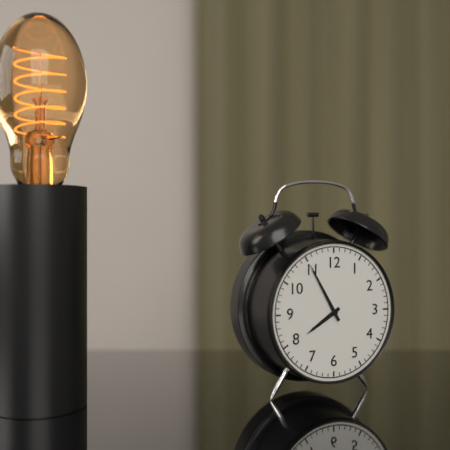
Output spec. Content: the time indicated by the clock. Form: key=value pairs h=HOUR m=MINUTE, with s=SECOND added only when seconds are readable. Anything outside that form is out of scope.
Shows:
h=7 m=55
